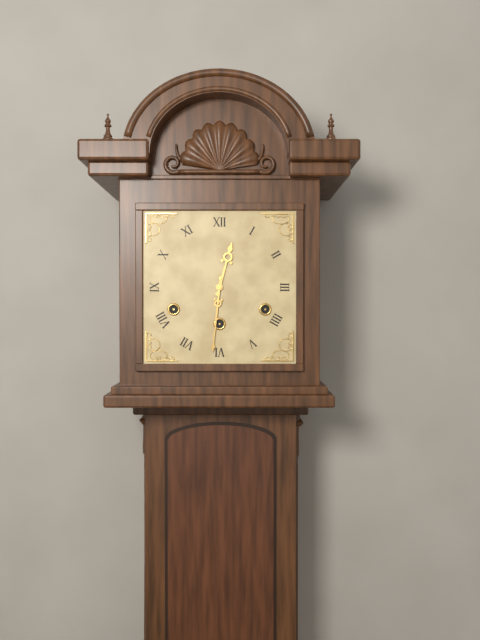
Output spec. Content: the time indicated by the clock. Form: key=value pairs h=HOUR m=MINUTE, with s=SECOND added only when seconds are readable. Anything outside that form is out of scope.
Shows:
h=12 m=31
